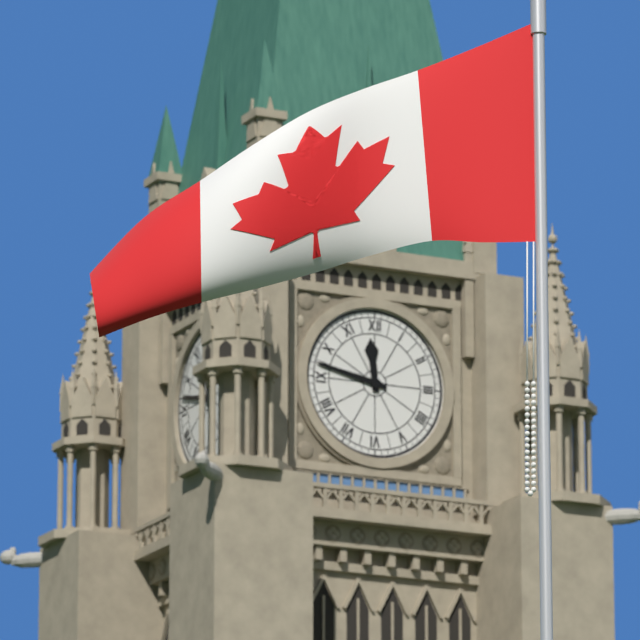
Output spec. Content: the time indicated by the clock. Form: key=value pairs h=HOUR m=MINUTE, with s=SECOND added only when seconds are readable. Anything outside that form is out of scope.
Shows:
h=11 m=47
